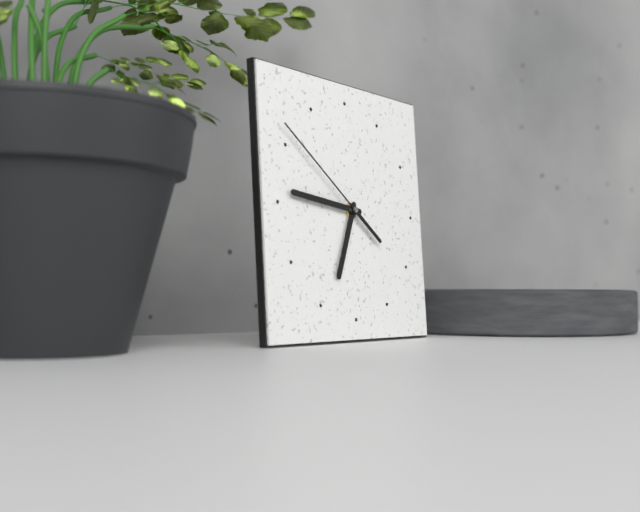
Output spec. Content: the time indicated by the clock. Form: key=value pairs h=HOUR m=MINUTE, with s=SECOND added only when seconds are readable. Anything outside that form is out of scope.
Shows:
h=6 m=46 s=51
